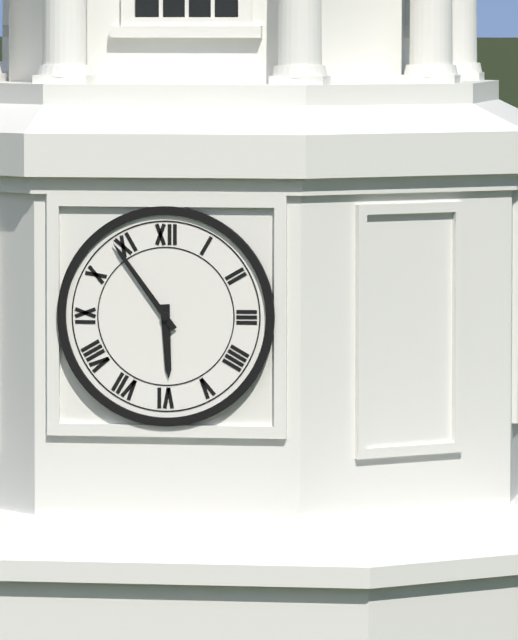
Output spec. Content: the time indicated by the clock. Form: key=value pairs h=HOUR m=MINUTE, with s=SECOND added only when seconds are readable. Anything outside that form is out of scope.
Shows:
h=5 m=54
